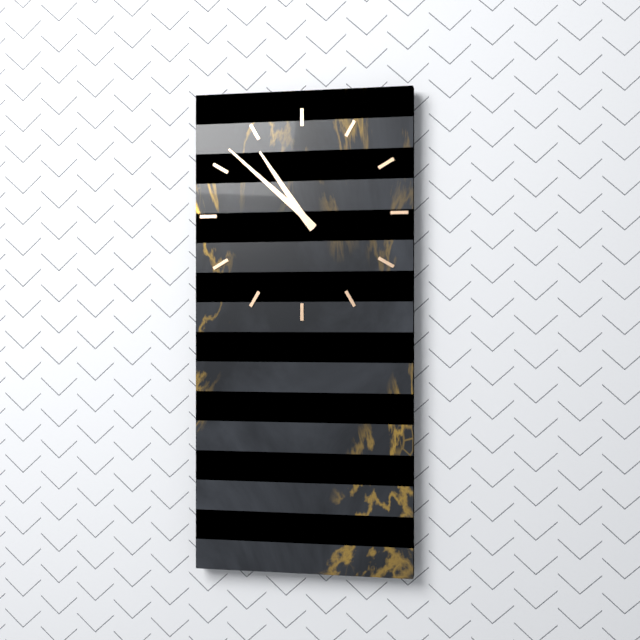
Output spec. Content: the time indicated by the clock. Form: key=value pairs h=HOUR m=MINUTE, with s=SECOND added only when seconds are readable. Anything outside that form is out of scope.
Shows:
h=10 m=52
